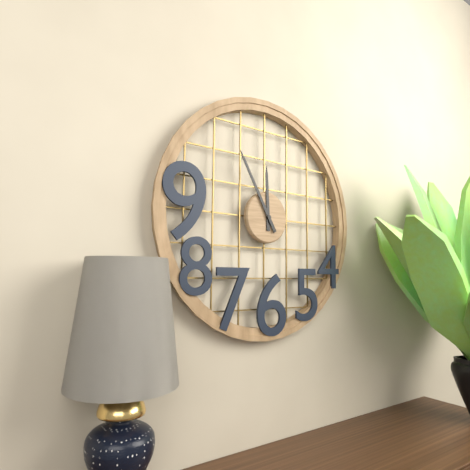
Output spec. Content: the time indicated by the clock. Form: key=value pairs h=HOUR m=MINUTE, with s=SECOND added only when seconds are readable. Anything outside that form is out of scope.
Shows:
h=11 m=55
